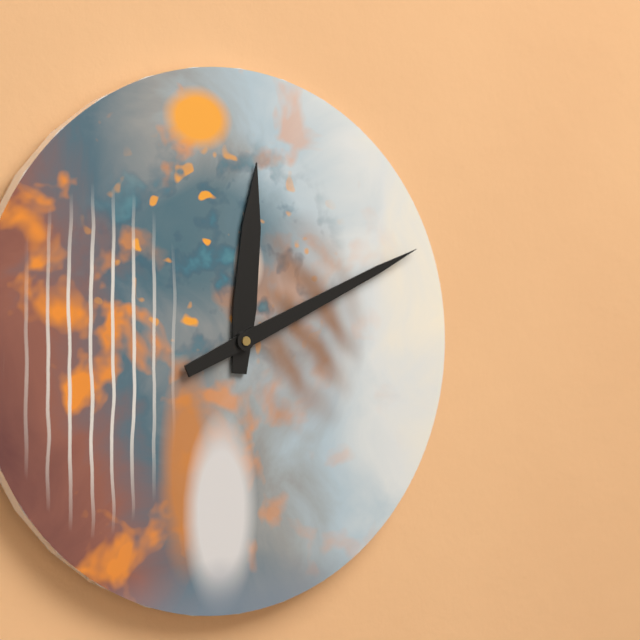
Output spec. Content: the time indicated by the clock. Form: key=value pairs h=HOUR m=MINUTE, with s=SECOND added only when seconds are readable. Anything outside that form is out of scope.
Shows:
h=12 m=11
